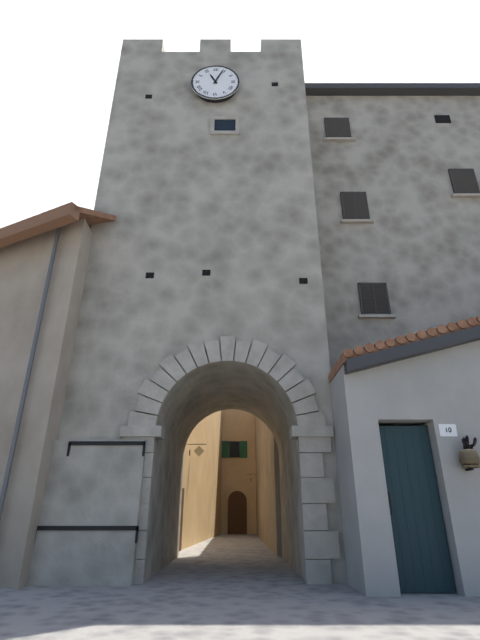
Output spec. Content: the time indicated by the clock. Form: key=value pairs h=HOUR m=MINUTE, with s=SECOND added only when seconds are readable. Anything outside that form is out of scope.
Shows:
h=11 m=4
